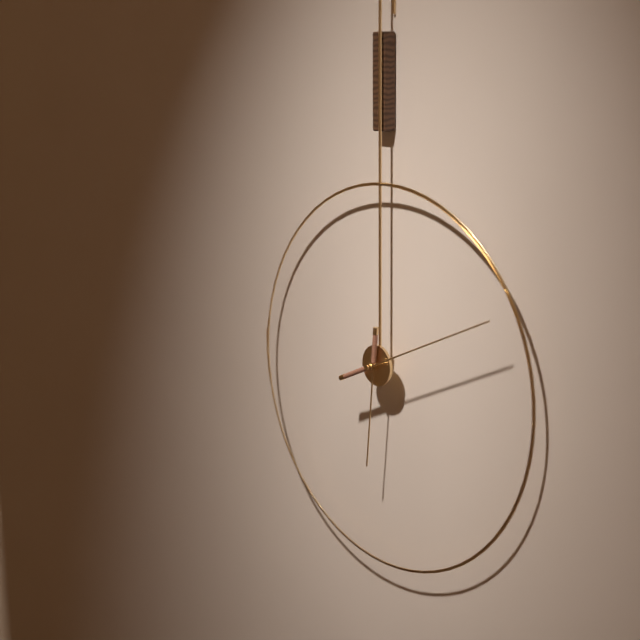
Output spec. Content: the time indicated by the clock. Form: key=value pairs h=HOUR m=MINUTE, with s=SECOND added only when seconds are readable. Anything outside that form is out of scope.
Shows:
h=6 m=11
